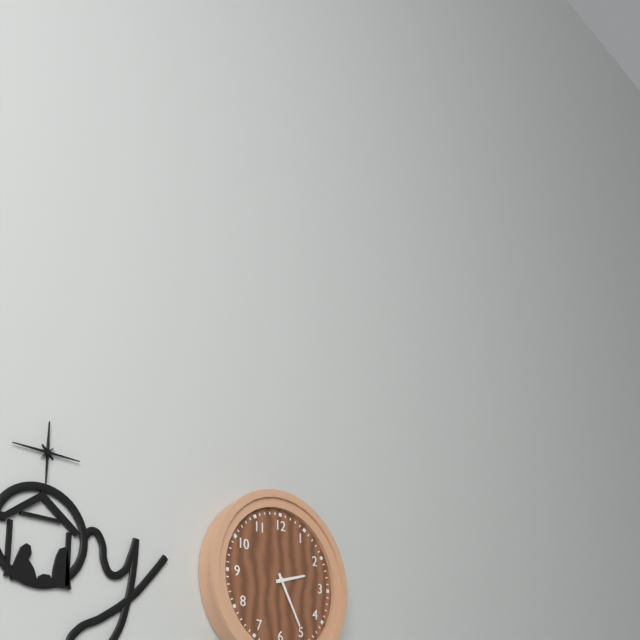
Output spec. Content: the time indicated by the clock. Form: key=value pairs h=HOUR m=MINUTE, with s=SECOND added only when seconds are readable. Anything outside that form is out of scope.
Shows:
h=2 m=25
